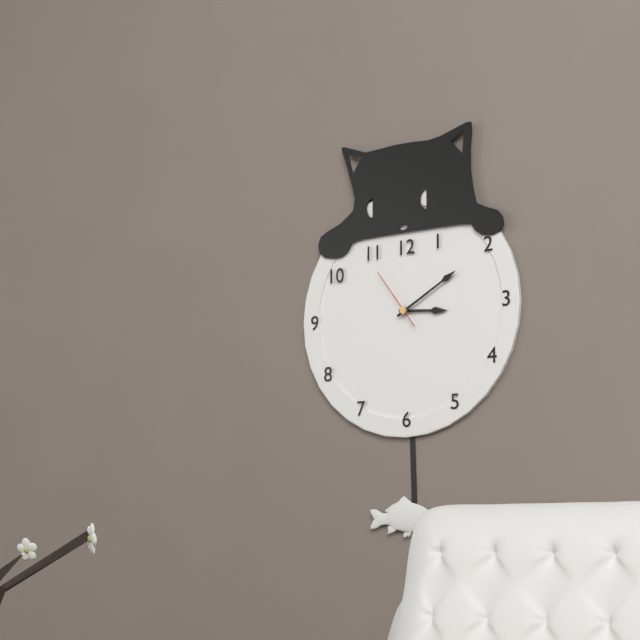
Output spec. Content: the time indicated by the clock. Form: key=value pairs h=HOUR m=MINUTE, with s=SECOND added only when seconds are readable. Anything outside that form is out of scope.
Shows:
h=3 m=10 s=54
